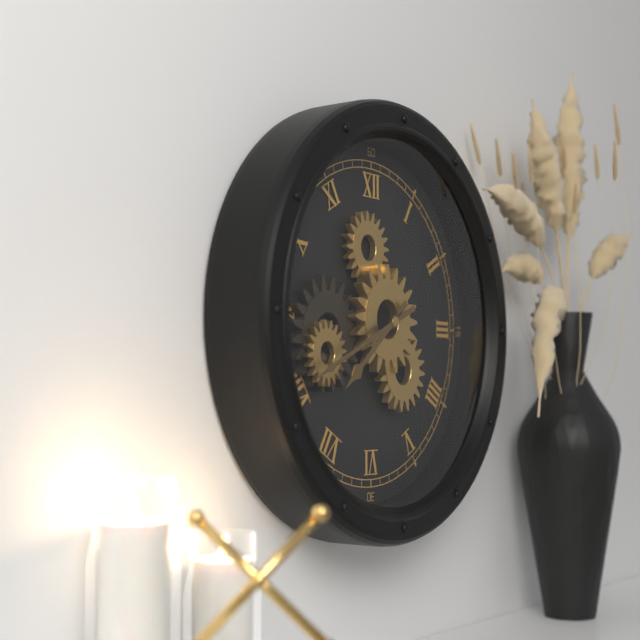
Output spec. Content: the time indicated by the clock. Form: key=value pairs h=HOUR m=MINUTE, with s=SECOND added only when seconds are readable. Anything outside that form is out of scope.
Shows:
h=7 m=41
